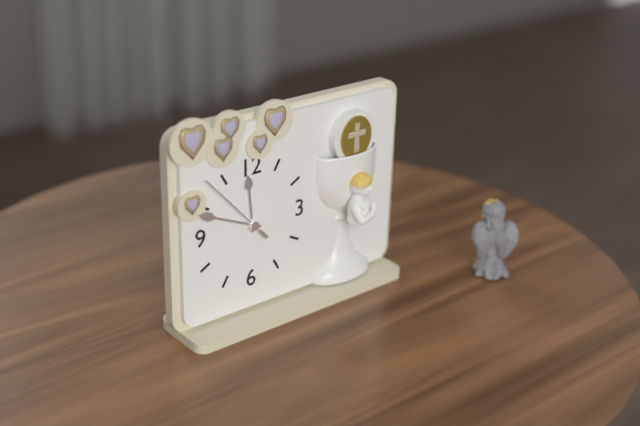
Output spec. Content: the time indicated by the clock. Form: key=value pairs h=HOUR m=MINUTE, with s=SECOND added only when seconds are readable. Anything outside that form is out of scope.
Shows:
h=11 m=49 s=53
